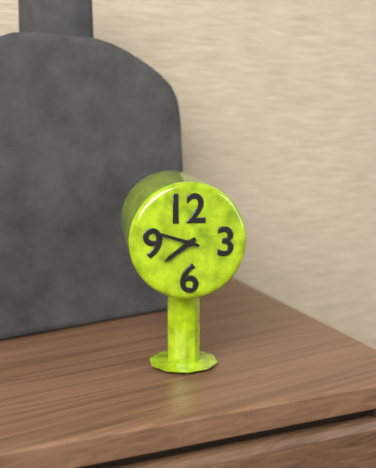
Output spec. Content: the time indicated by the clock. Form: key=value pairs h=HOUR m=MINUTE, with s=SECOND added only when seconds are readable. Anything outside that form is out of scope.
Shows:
h=7 m=48
